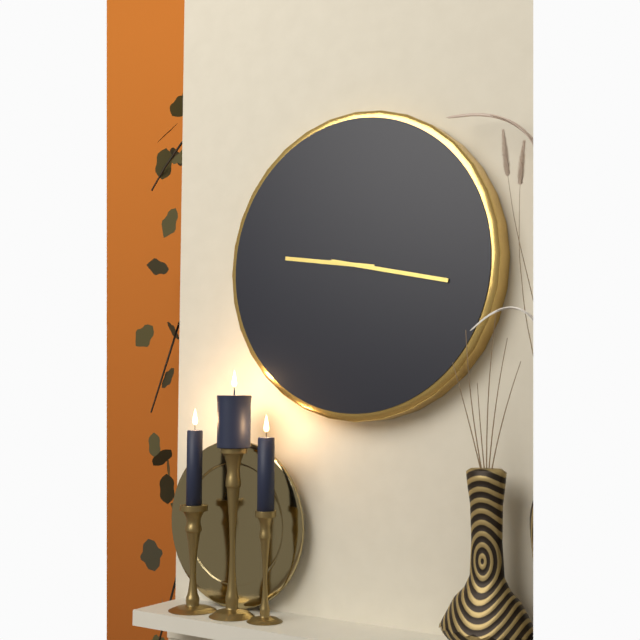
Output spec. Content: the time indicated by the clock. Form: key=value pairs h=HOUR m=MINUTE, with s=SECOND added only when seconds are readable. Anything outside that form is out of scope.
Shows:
h=9 m=17
